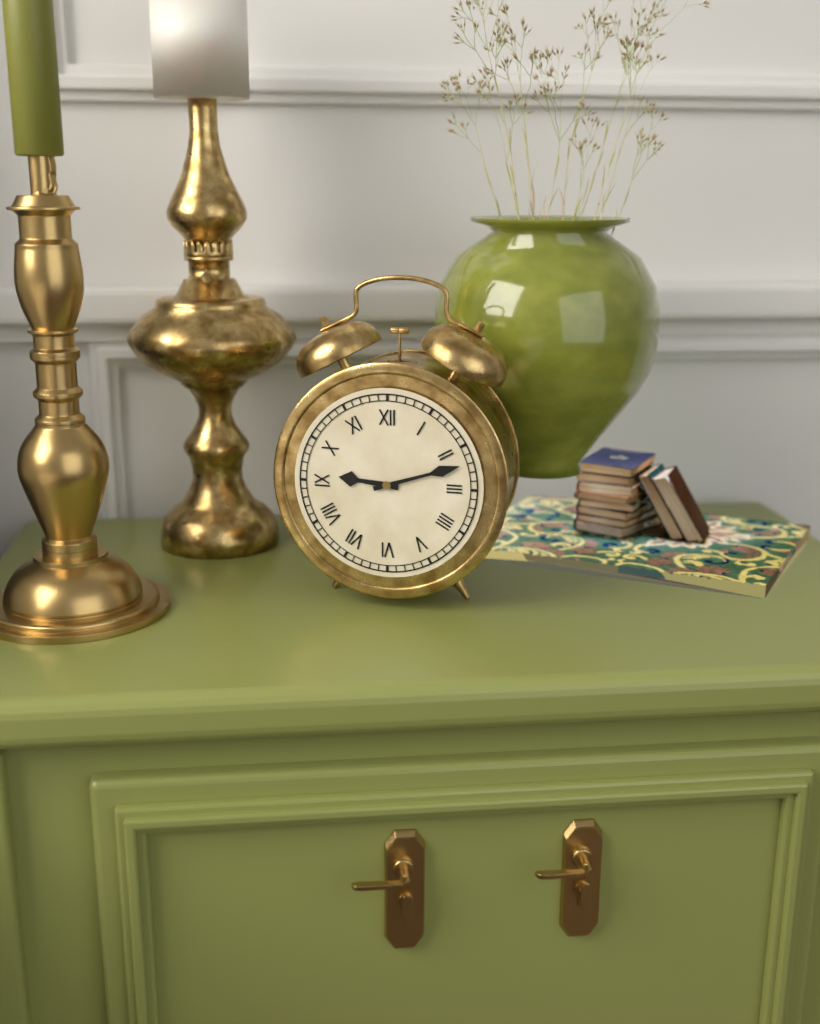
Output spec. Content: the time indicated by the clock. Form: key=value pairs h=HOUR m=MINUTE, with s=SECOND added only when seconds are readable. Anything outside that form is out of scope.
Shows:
h=9 m=12
